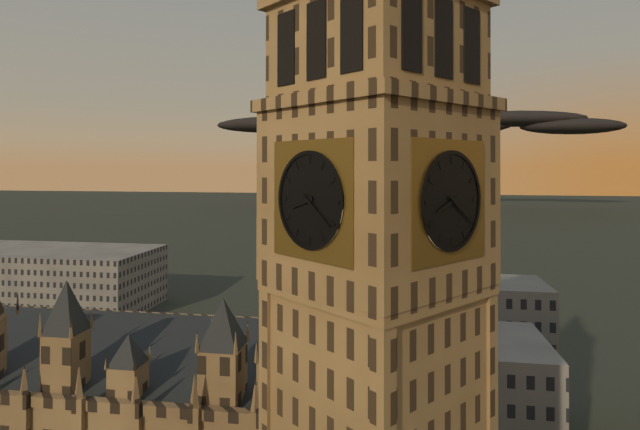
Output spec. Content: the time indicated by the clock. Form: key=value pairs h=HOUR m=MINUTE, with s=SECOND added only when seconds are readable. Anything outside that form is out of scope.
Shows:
h=8 m=21
